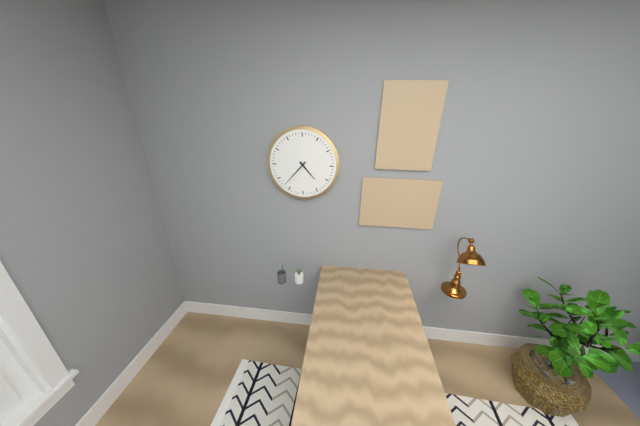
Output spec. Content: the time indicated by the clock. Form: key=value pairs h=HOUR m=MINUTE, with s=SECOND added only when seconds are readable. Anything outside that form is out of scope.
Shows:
h=4 m=37
